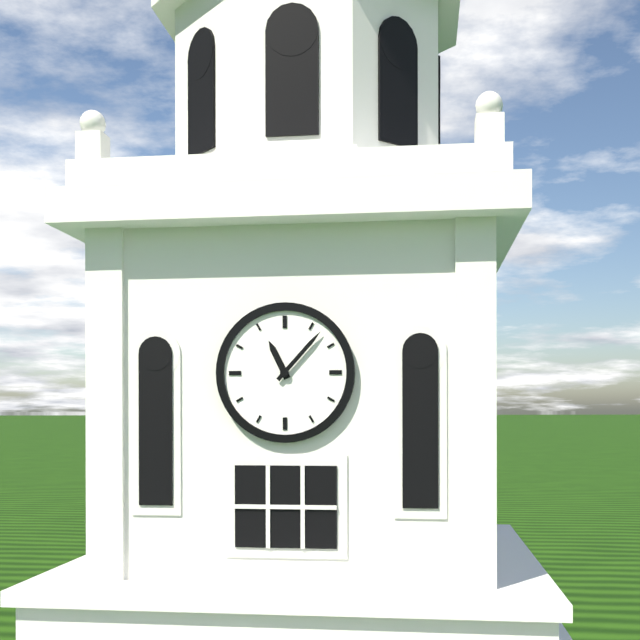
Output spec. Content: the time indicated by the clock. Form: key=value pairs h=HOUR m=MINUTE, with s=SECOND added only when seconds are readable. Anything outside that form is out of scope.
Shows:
h=11 m=7
